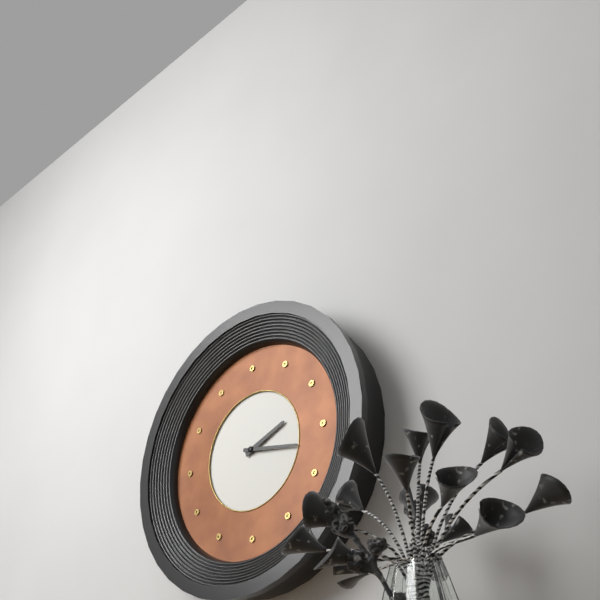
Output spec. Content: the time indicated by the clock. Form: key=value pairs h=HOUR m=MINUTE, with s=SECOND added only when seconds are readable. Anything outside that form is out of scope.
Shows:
h=2 m=17
